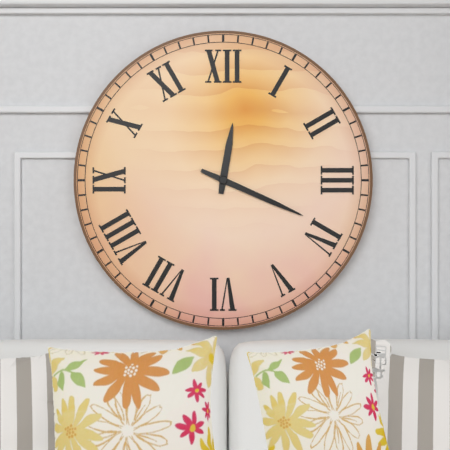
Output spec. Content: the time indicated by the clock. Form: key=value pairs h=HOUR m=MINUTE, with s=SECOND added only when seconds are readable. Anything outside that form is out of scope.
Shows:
h=12 m=19
